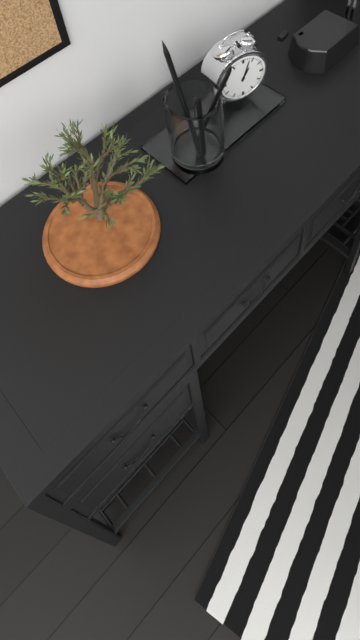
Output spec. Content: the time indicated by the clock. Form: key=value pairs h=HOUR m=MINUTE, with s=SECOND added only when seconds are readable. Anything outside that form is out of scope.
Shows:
h=1 m=3
